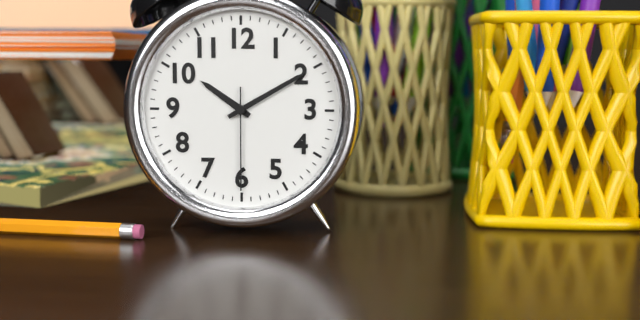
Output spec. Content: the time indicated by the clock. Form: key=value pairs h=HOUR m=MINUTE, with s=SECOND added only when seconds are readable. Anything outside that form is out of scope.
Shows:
h=10 m=10 s=30
